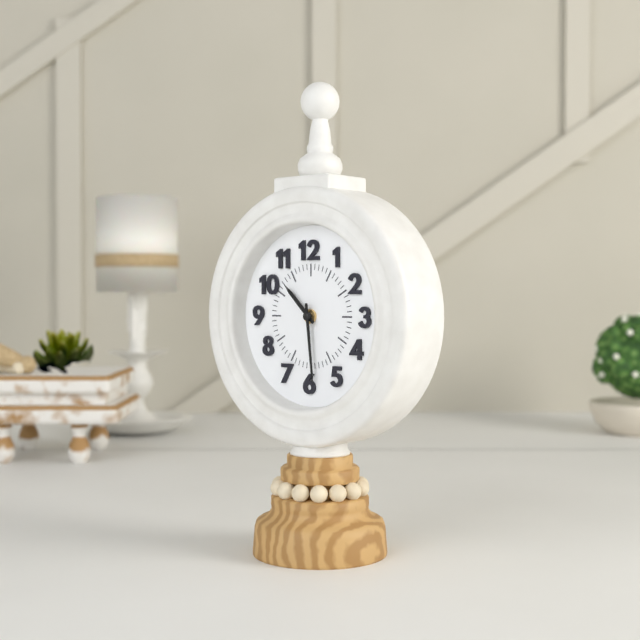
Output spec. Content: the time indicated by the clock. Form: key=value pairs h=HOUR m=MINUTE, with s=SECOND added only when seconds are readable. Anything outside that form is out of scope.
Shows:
h=10 m=29
